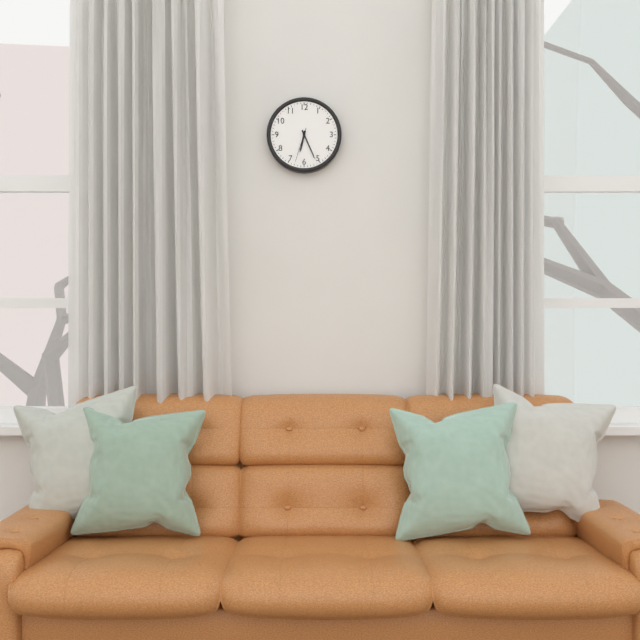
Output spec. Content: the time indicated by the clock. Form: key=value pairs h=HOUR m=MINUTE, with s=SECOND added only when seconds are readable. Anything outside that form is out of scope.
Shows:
h=6 m=26
